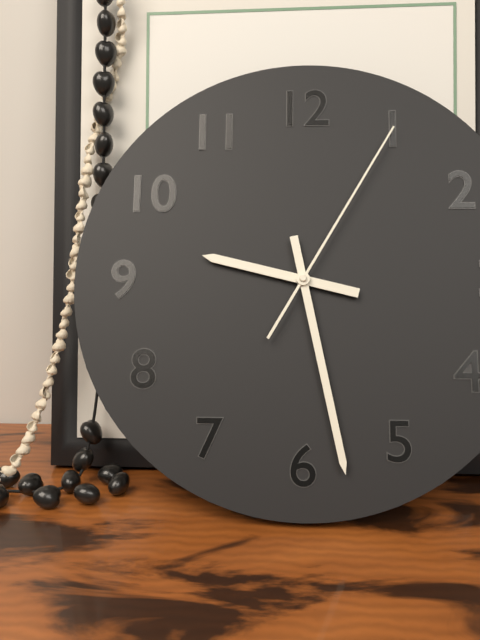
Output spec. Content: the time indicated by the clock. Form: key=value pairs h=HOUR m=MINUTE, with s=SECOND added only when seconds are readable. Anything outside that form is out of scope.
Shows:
h=9 m=28 s=5
